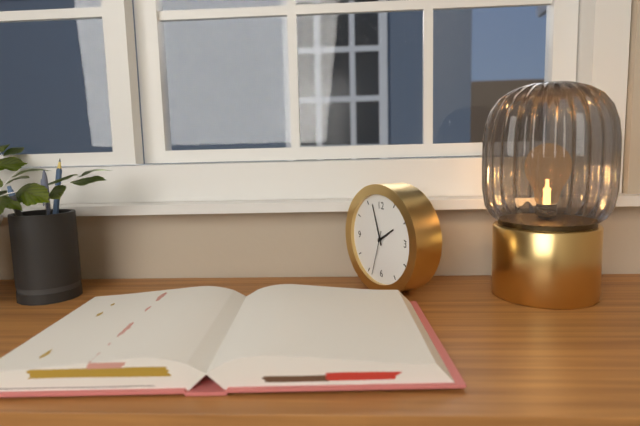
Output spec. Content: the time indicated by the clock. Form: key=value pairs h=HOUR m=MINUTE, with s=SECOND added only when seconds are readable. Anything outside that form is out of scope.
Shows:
h=1 m=57 s=33
